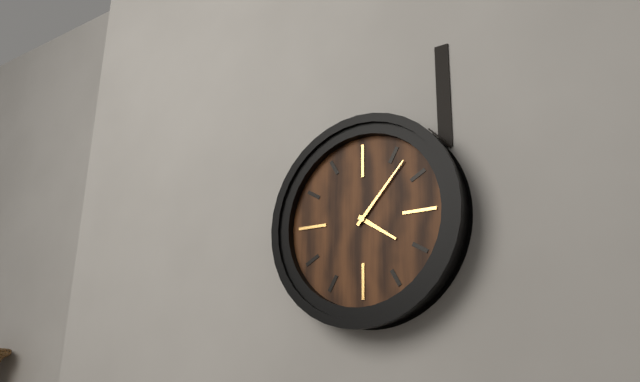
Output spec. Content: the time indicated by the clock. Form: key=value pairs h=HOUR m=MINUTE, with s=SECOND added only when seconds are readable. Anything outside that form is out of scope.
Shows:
h=4 m=7
